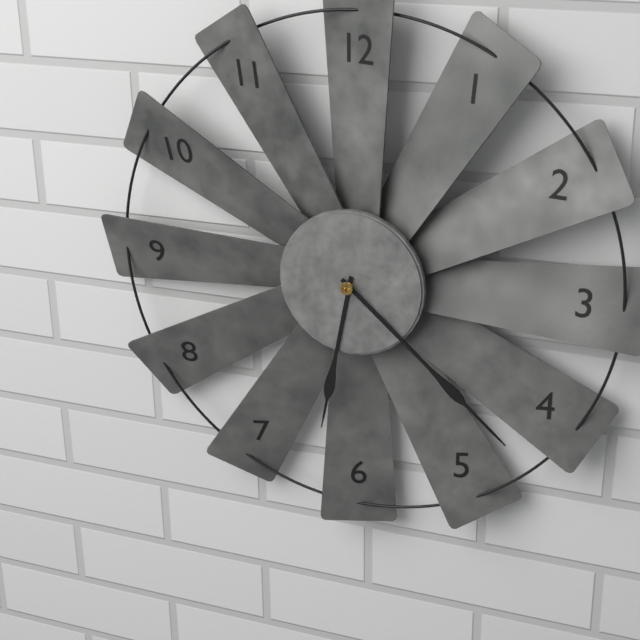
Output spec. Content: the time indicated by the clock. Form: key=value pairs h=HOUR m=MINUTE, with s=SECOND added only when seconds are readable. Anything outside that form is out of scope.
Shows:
h=6 m=22
